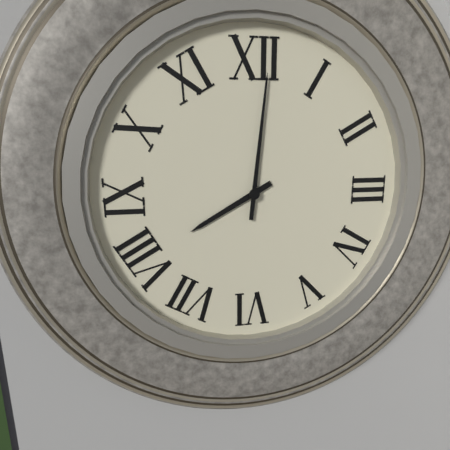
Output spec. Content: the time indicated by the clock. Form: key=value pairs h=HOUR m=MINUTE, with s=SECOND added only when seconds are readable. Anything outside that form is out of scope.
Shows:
h=8 m=1
